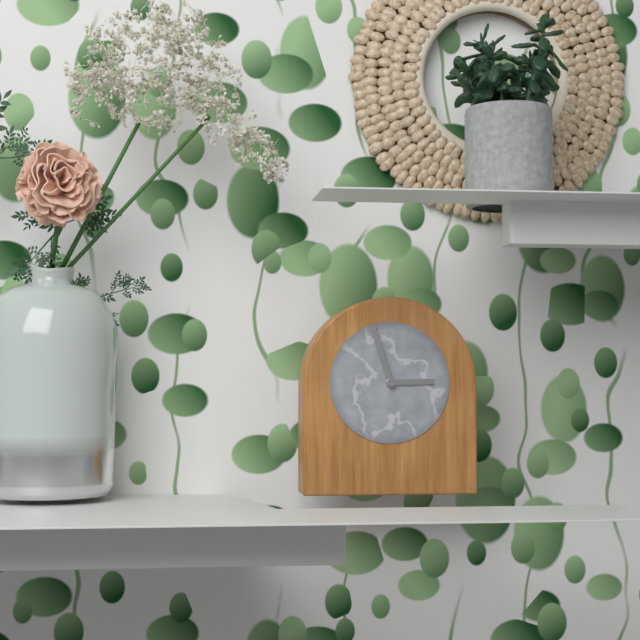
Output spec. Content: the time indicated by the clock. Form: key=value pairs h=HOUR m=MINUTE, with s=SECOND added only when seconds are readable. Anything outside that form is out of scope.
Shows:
h=2 m=57
